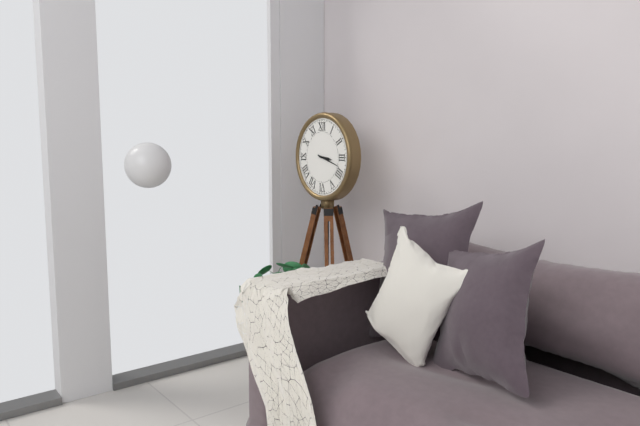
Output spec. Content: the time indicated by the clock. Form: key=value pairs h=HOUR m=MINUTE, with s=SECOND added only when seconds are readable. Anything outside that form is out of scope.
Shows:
h=3 m=18
